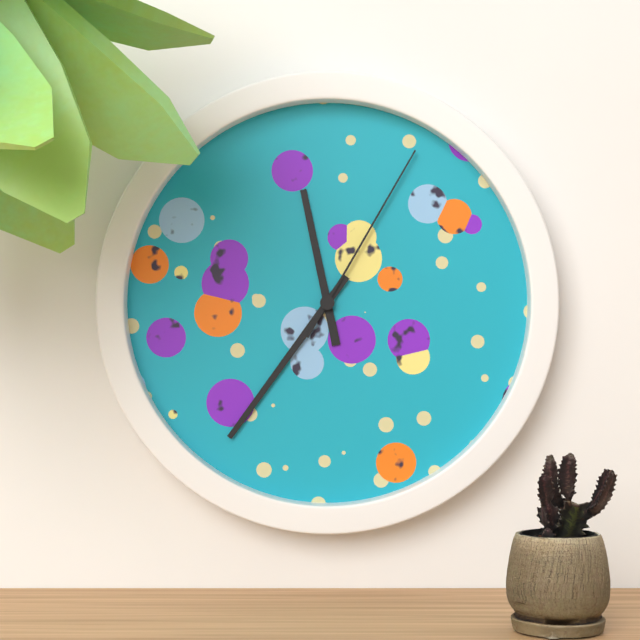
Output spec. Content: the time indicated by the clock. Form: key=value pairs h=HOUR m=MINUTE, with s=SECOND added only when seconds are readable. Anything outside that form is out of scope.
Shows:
h=11 m=36 s=5
